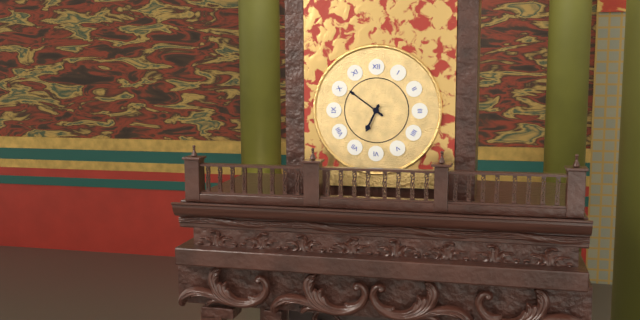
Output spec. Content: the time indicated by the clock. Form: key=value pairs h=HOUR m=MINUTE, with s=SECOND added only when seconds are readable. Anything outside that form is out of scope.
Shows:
h=6 m=51
